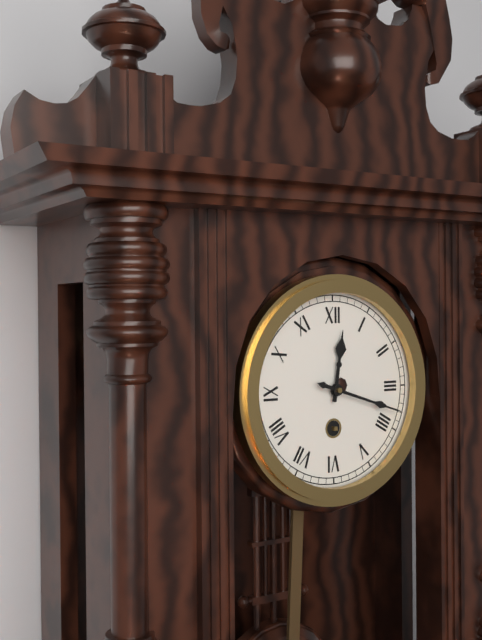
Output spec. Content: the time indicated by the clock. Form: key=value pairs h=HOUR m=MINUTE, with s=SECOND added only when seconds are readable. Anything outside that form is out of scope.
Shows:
h=12 m=18
